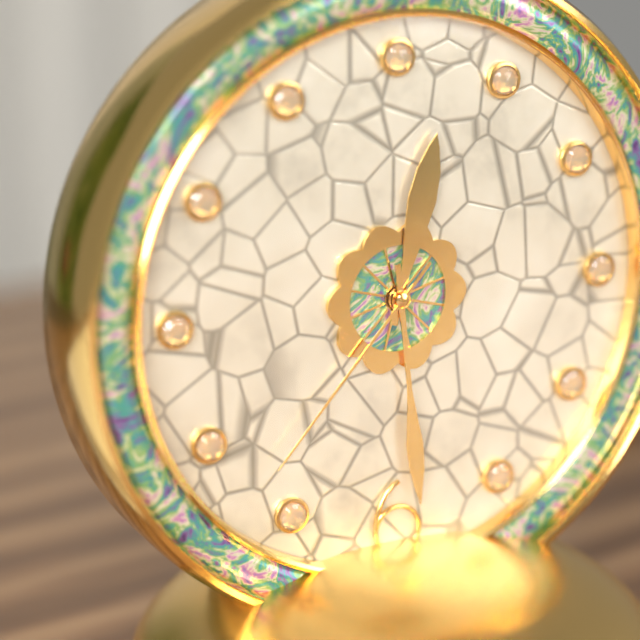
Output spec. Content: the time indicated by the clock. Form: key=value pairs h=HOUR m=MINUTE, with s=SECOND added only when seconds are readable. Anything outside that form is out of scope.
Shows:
h=12 m=29 s=37
